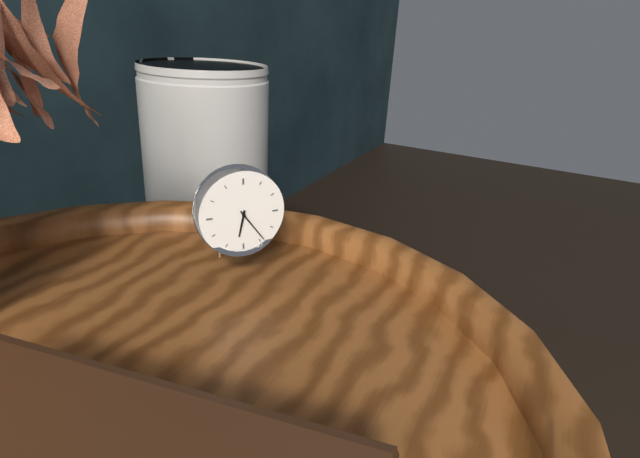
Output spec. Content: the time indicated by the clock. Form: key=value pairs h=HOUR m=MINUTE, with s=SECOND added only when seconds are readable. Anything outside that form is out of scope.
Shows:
h=6 m=24
